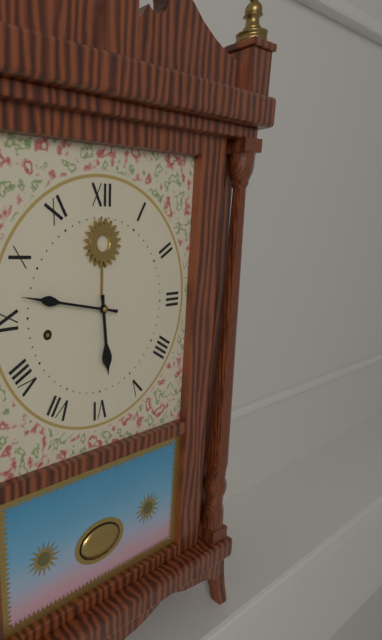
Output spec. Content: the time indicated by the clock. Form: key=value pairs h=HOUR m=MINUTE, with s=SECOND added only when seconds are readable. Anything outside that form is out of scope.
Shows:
h=5 m=47
